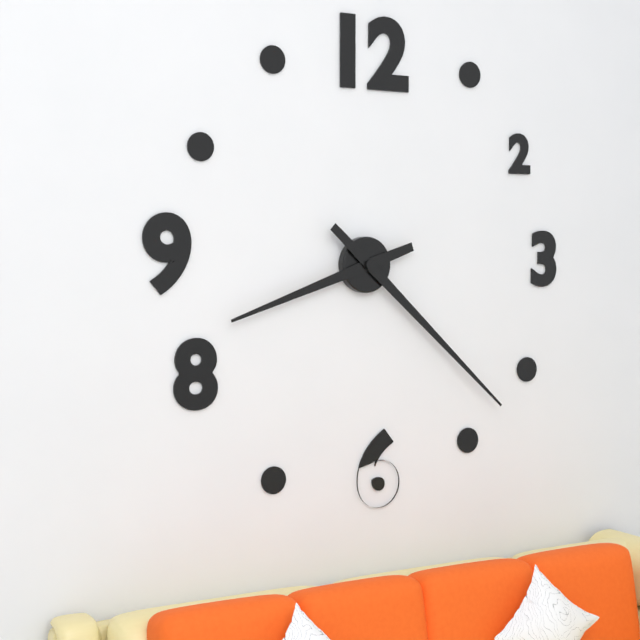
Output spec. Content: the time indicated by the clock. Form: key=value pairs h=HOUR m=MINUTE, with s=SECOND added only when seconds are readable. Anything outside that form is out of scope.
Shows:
h=8 m=22
